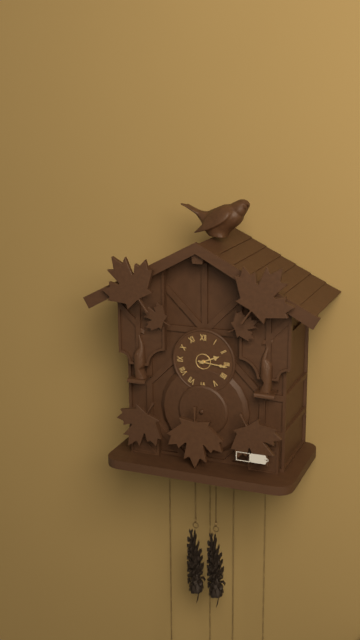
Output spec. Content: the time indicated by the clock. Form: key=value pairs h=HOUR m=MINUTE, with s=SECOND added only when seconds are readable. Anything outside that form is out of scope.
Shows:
h=2 m=16
